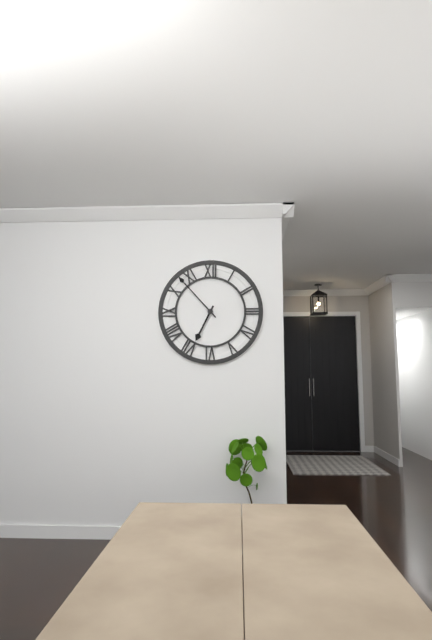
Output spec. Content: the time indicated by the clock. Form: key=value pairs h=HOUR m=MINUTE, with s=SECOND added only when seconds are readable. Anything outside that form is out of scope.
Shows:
h=6 m=53
